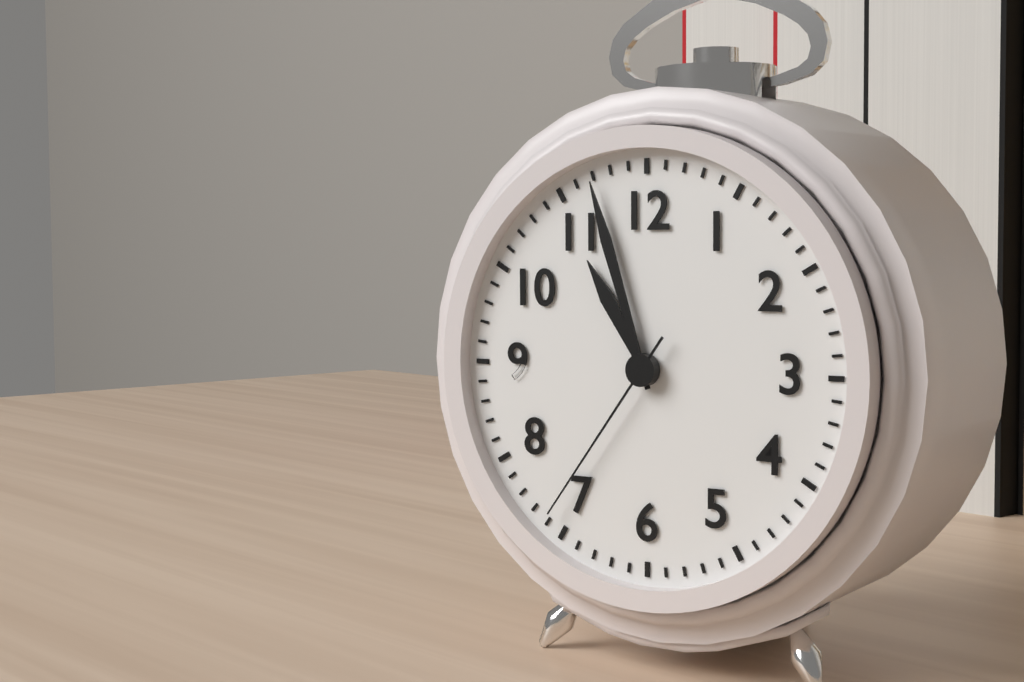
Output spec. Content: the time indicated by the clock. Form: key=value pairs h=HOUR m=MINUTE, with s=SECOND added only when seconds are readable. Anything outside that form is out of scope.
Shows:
h=10 m=57 s=36
